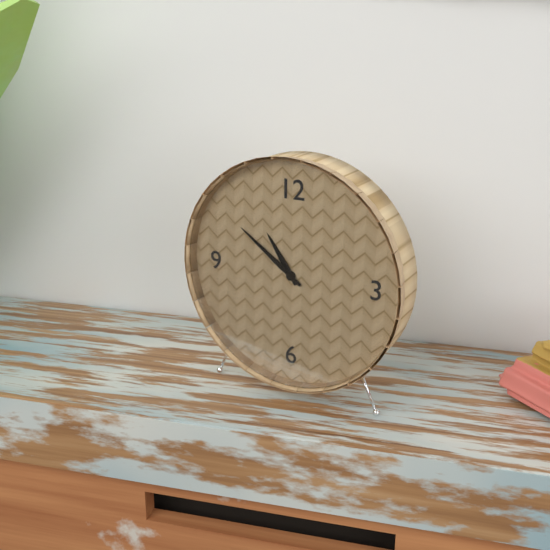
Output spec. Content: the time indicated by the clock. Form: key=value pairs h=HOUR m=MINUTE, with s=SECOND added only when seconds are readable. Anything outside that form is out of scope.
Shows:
h=10 m=51
